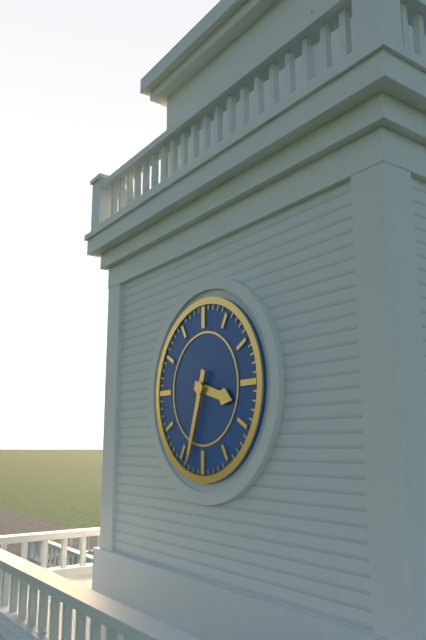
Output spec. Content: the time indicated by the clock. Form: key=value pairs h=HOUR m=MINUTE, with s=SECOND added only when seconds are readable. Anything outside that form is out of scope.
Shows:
h=3 m=33
